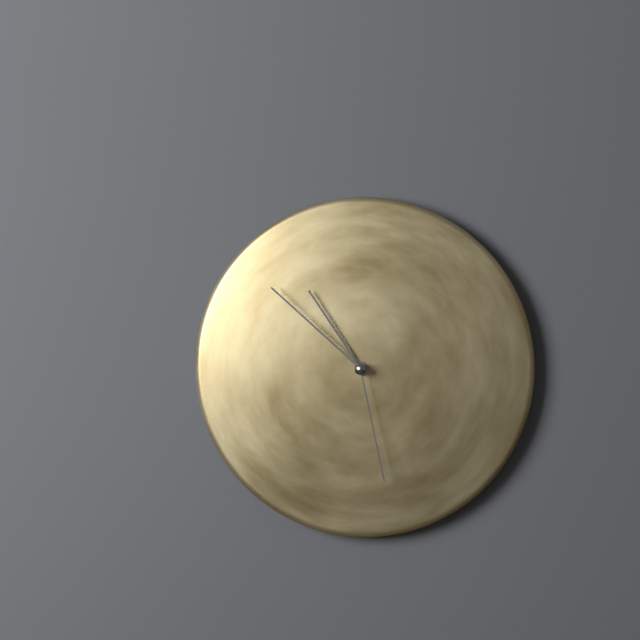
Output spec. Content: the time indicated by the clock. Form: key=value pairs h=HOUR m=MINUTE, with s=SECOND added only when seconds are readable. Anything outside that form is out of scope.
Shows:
h=10 m=52 s=28
